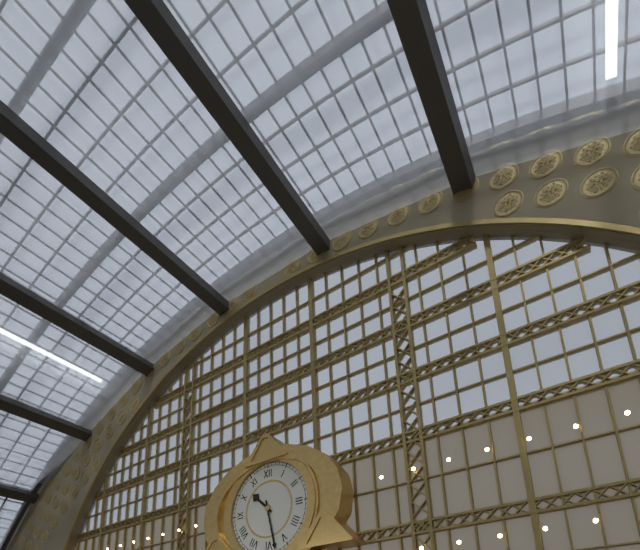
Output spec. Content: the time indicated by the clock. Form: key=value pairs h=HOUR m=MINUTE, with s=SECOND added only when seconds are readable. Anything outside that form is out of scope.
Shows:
h=10 m=28
